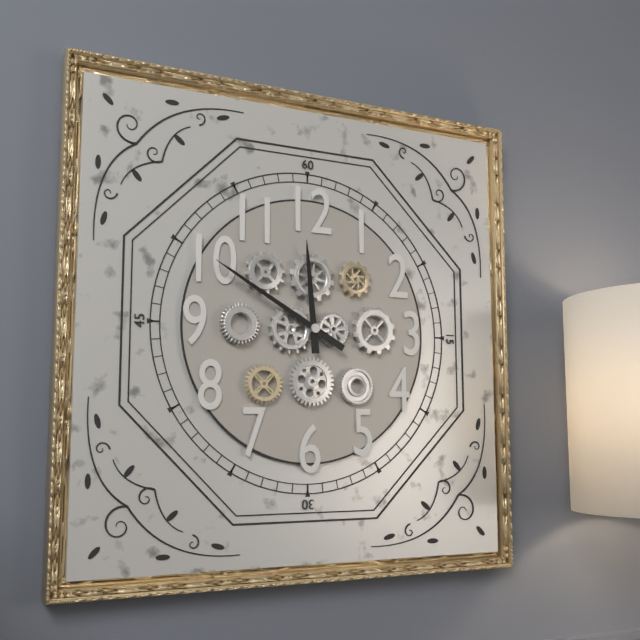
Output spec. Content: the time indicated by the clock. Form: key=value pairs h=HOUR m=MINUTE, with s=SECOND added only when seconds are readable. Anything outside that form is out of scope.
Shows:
h=11 m=50
